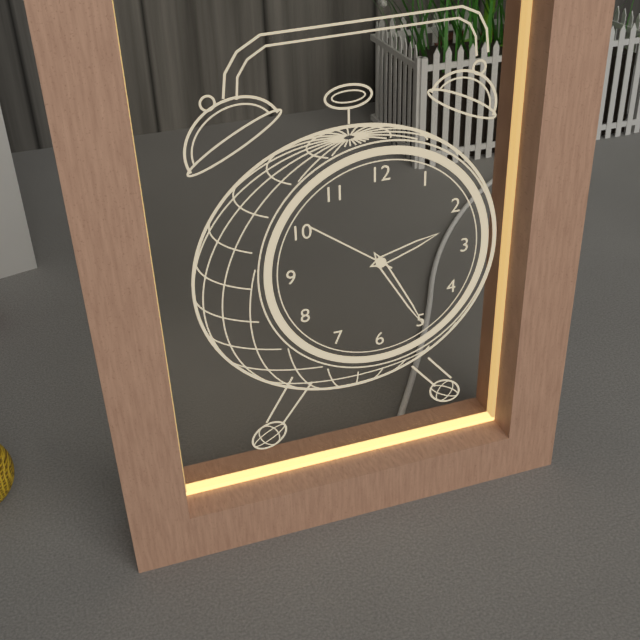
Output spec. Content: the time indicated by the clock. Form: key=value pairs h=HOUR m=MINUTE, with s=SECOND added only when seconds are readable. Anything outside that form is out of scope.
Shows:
h=2 m=25 s=51
